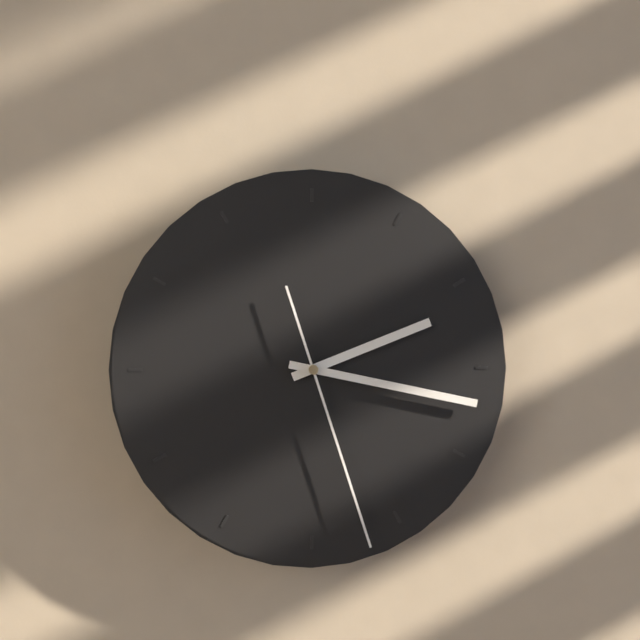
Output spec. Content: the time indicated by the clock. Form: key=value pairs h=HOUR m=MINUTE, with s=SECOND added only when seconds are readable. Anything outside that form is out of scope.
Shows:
h=2 m=17 s=27
